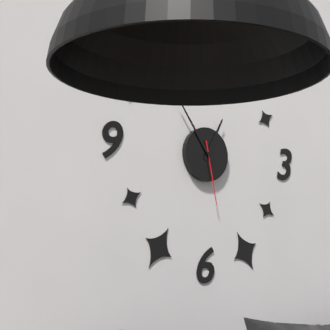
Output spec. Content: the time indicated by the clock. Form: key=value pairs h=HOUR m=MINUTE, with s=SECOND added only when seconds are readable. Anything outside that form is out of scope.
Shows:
h=12 m=54 s=28
